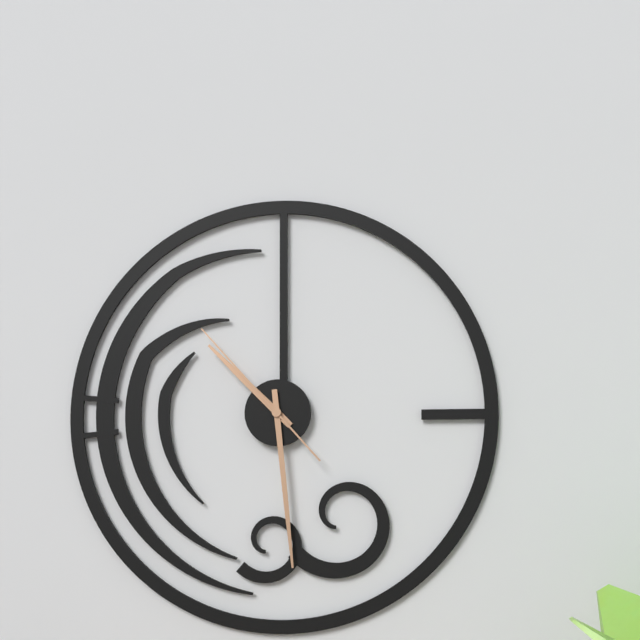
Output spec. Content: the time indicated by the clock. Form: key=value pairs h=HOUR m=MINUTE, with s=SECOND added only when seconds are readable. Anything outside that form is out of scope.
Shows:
h=10 m=29 s=53
